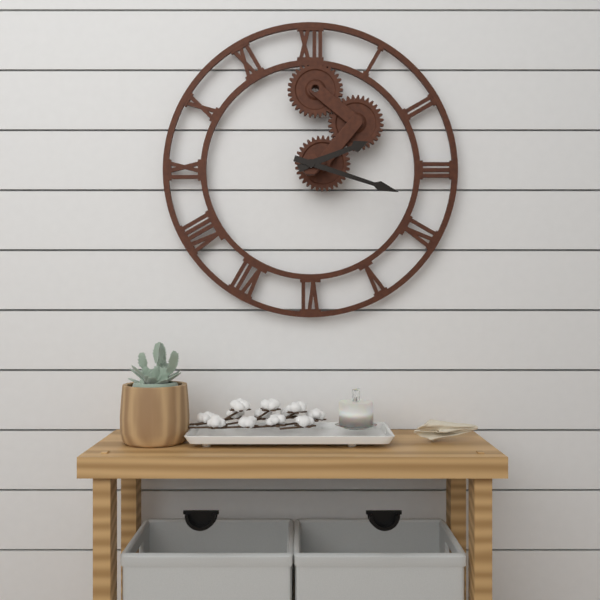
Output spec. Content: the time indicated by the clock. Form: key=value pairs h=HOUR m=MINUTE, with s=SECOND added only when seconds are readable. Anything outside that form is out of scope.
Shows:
h=2 m=18
